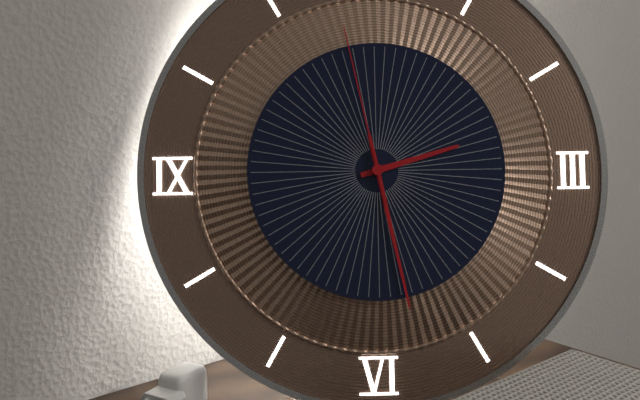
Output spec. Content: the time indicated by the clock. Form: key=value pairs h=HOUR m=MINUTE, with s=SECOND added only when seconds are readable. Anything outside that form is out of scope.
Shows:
h=2 m=28 s=58
